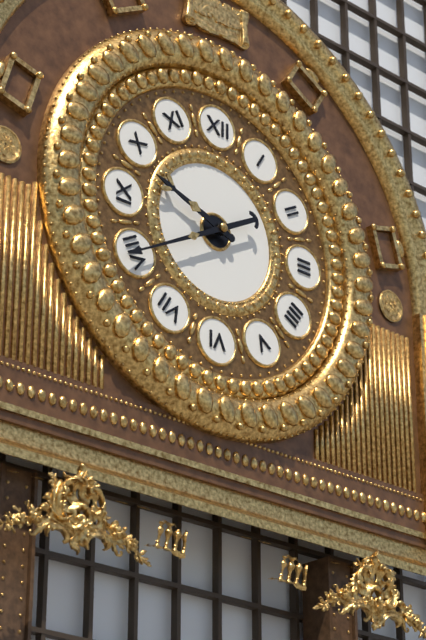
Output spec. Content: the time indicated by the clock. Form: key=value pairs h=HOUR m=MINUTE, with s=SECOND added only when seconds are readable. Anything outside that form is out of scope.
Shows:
h=9 m=40
